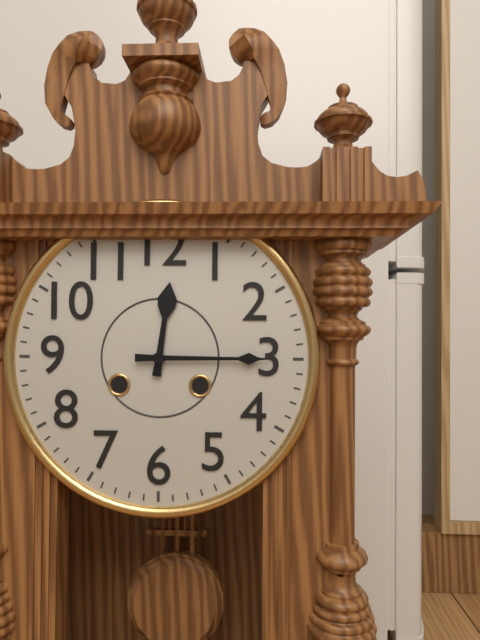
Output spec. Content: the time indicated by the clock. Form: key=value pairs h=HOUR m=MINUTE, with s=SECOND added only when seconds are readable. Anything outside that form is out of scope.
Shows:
h=12 m=15
